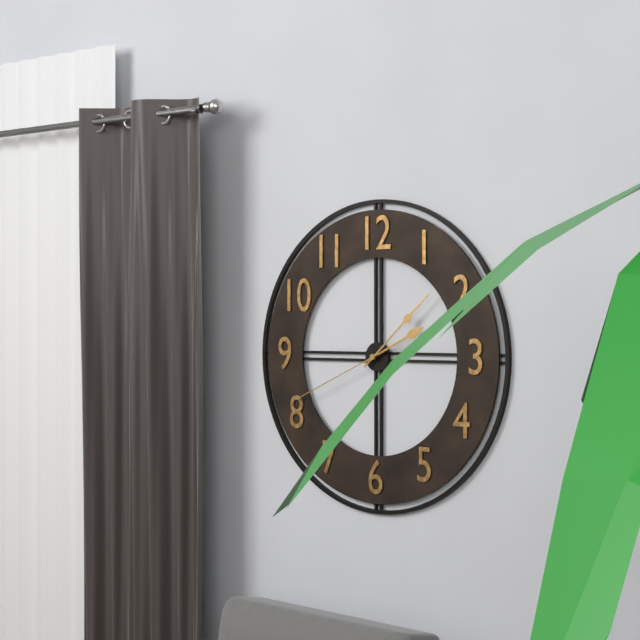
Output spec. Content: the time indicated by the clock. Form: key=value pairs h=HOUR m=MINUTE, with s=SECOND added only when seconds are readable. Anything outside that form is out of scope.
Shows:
h=2 m=8 s=41
